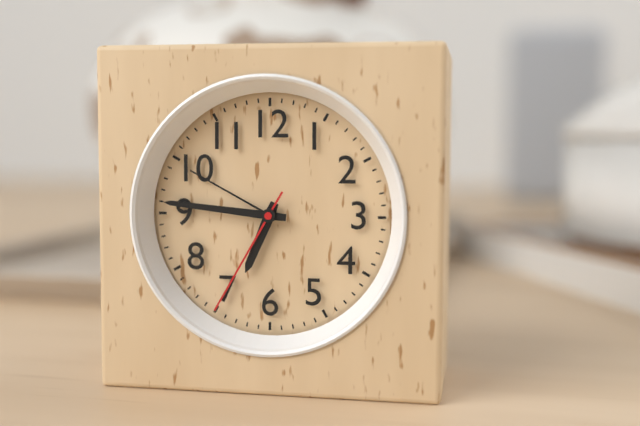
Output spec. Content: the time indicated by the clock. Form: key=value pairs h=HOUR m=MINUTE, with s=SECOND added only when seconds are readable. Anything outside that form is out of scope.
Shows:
h=6 m=46 s=35
